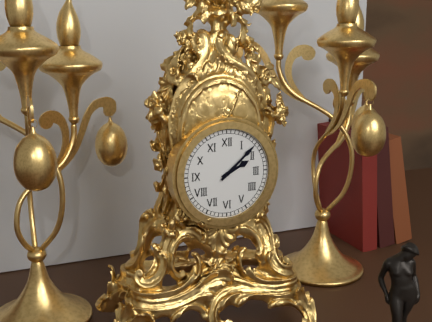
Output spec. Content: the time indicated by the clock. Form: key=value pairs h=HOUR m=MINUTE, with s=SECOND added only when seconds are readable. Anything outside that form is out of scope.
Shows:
h=2 m=8
